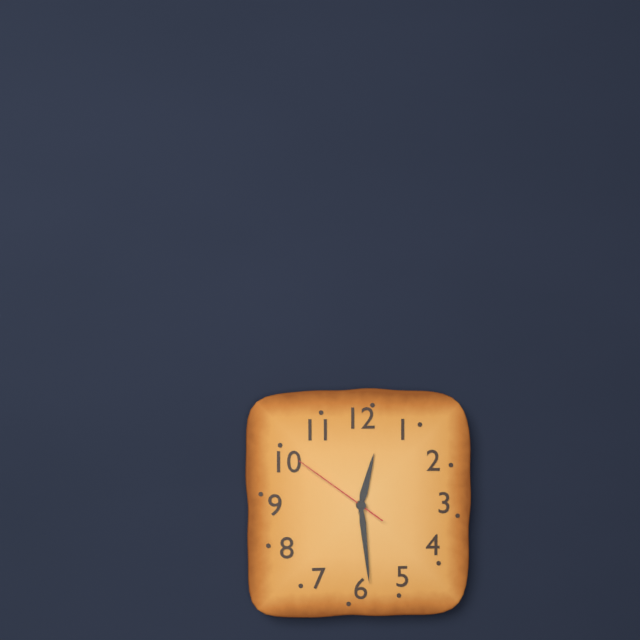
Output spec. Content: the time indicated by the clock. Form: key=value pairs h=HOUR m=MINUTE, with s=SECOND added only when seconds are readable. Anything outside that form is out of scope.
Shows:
h=12 m=29 s=51
